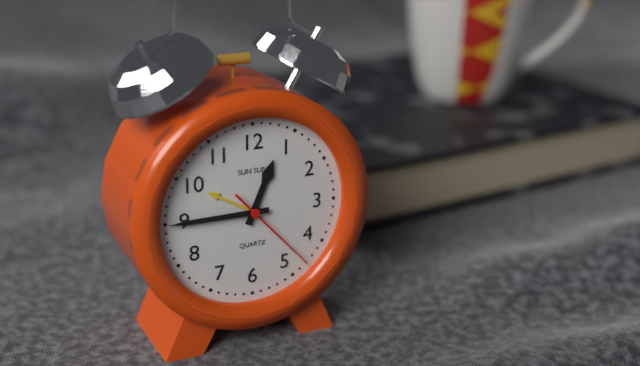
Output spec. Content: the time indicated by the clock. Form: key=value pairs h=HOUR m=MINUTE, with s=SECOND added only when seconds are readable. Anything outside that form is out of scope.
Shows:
h=12 m=45 s=23
